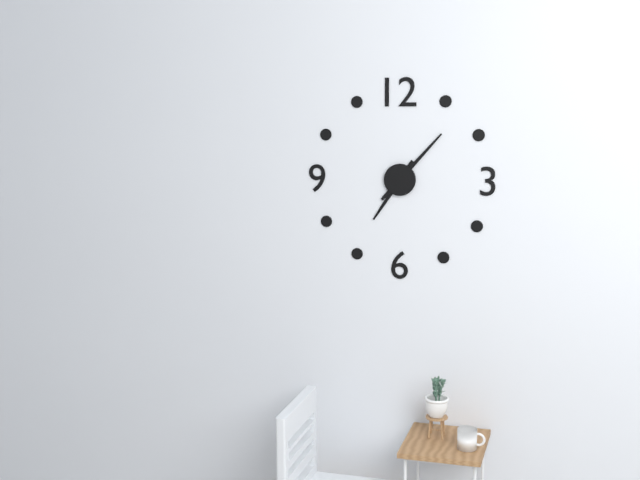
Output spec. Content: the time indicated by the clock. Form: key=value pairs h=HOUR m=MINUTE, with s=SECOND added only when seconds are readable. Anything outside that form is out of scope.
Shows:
h=7 m=7
